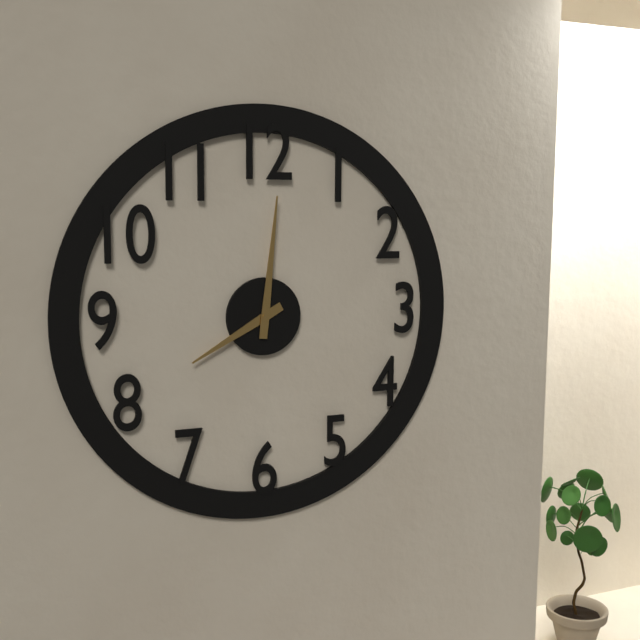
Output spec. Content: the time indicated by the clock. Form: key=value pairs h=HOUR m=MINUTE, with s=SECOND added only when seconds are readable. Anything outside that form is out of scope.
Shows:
h=8 m=1
